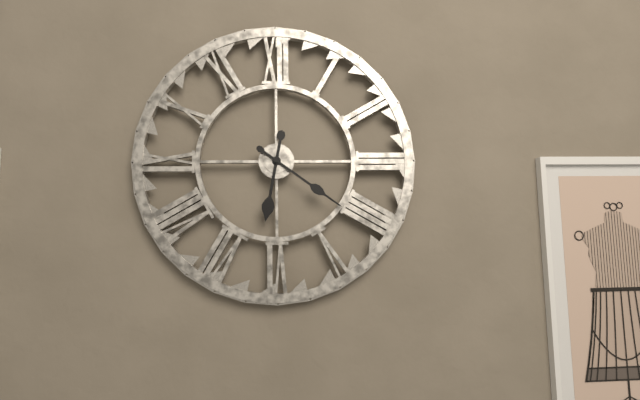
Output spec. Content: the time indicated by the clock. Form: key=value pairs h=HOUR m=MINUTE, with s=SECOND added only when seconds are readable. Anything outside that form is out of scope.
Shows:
h=6 m=21
